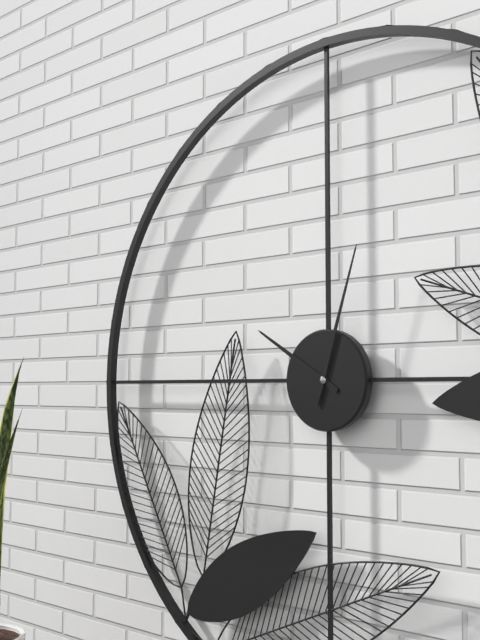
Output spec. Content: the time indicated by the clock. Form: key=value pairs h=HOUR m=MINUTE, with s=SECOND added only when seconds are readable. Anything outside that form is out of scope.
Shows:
h=10 m=3
